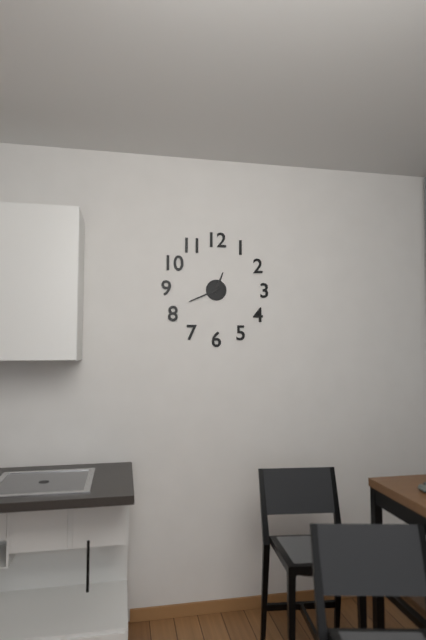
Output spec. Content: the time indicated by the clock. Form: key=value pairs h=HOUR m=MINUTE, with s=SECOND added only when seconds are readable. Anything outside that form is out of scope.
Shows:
h=12 m=41
